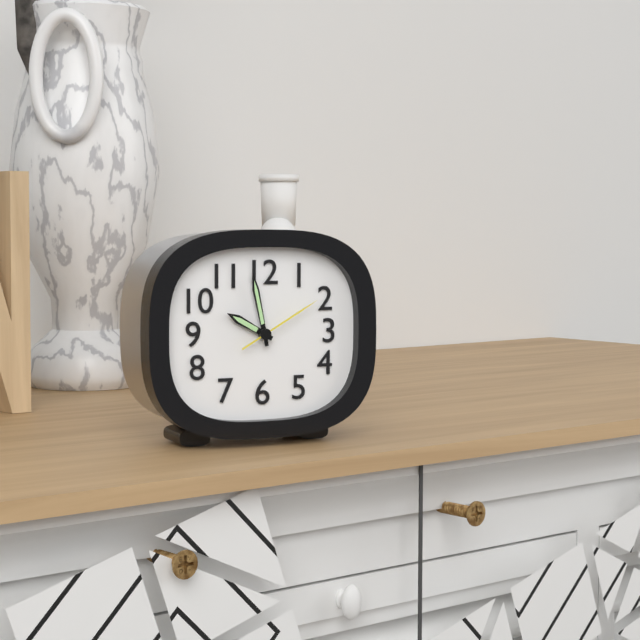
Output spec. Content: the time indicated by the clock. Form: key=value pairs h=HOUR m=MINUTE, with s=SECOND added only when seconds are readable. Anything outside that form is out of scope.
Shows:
h=9 m=58 s=10
